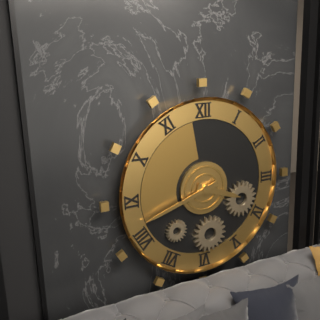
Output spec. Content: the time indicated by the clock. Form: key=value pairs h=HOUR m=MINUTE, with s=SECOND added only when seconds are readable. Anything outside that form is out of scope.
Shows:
h=3 m=42
